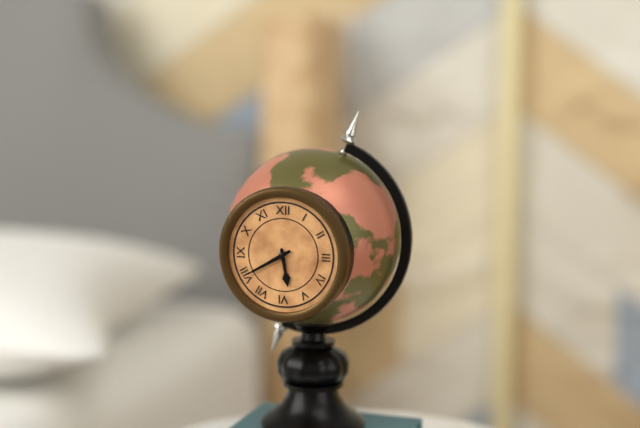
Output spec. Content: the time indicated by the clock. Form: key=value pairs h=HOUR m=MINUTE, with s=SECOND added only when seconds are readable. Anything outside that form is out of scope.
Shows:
h=5 m=40
